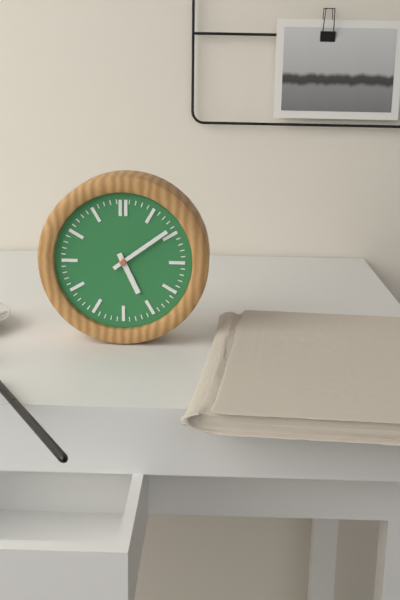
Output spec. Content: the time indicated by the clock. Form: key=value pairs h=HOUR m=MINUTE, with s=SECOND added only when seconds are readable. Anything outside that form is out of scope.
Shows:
h=5 m=9
